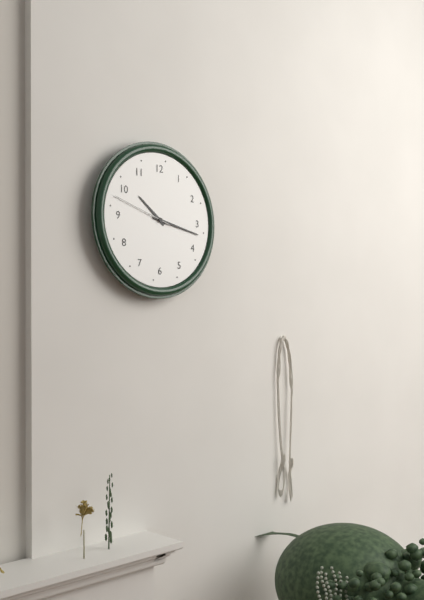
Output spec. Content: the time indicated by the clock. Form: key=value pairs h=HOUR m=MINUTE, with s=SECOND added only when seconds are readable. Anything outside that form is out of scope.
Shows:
h=10 m=17 s=48
